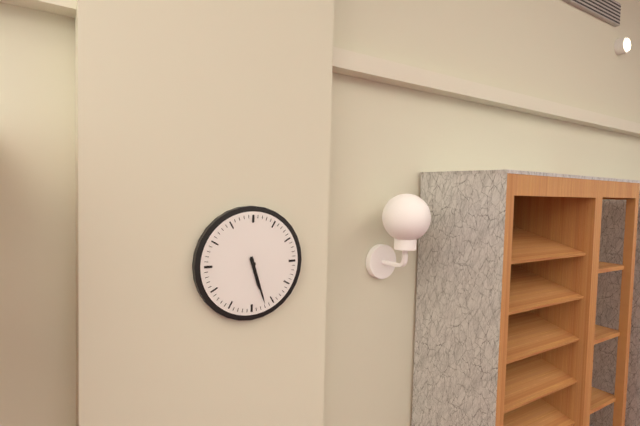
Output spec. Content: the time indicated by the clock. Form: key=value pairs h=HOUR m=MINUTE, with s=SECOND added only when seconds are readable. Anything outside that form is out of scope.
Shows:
h=5 m=27
